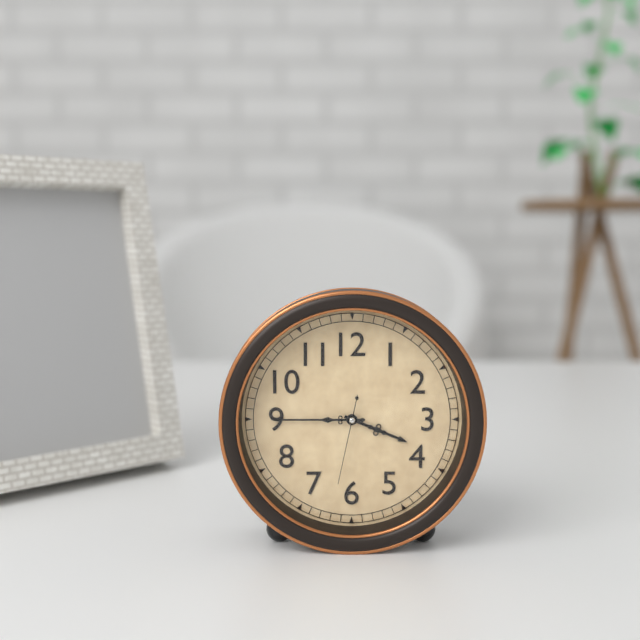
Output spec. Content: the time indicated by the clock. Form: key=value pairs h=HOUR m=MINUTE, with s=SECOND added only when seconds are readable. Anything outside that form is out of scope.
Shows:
h=3 m=45 s=32
